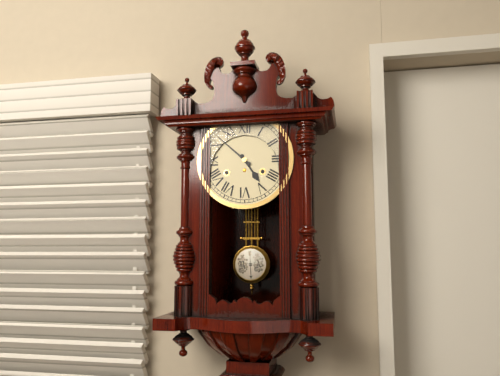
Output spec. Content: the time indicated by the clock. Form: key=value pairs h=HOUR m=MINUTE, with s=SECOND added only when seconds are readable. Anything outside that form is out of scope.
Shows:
h=4 m=52
